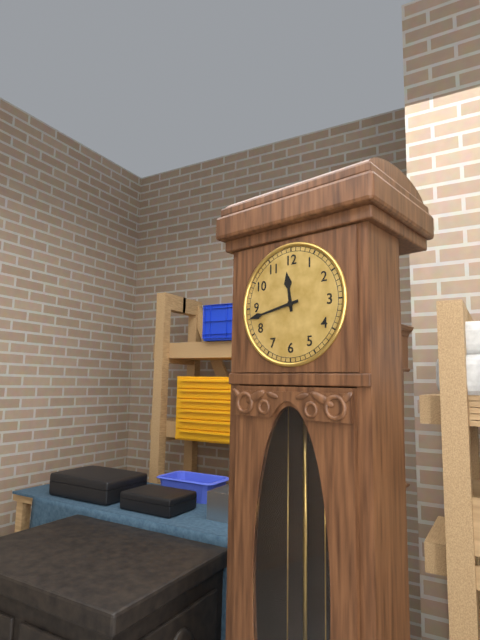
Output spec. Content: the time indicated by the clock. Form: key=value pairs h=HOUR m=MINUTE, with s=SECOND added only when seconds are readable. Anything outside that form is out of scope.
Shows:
h=11 m=43
